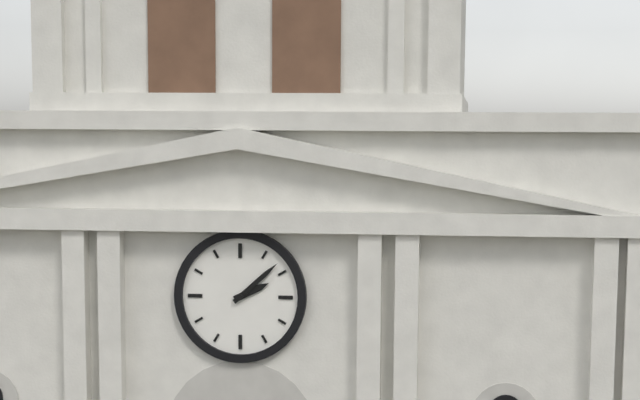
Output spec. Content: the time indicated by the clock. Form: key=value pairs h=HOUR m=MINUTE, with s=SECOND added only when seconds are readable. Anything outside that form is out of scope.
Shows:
h=2 m=8
